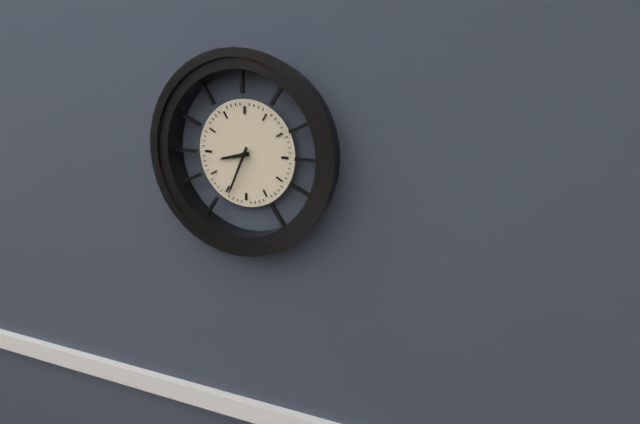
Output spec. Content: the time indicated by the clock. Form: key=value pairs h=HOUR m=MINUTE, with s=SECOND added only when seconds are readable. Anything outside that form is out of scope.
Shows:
h=8 m=34
